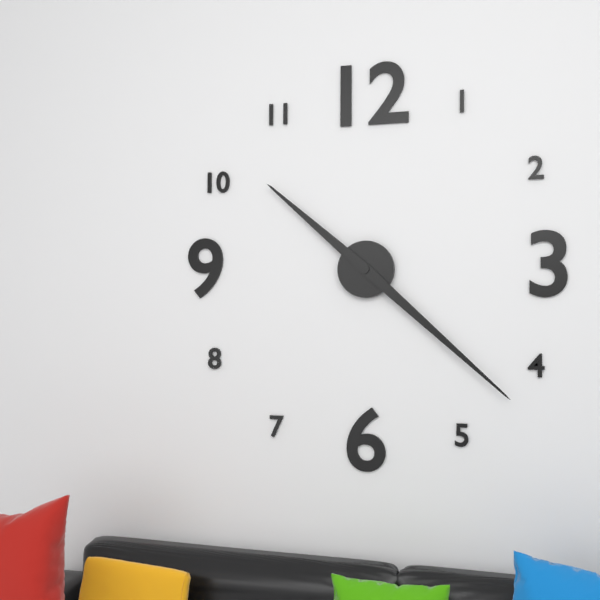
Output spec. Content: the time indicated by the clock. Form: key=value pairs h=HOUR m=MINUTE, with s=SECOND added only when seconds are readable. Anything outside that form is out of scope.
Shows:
h=10 m=22
